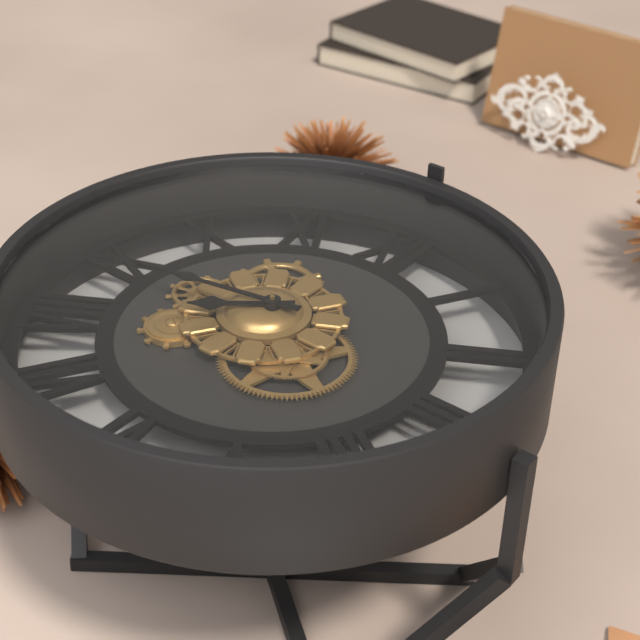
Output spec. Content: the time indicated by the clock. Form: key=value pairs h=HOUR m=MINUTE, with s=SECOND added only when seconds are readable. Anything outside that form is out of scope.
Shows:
h=7 m=43
